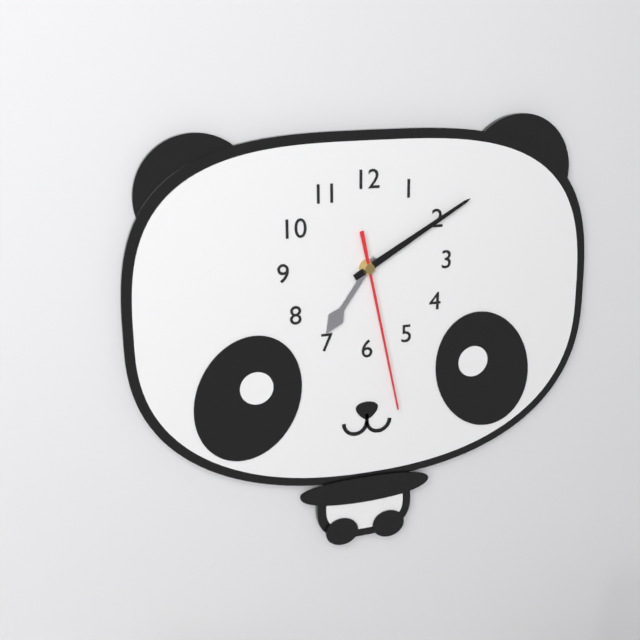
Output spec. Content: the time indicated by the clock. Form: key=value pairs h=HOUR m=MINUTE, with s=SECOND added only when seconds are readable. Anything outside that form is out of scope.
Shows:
h=7 m=10 s=28
